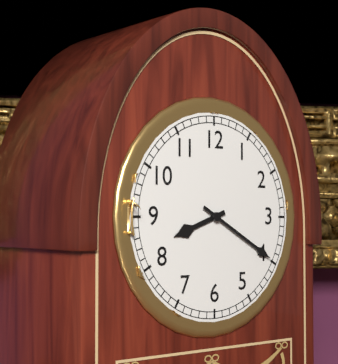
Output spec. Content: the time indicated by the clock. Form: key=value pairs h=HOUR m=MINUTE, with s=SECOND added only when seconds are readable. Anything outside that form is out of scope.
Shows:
h=8 m=20
